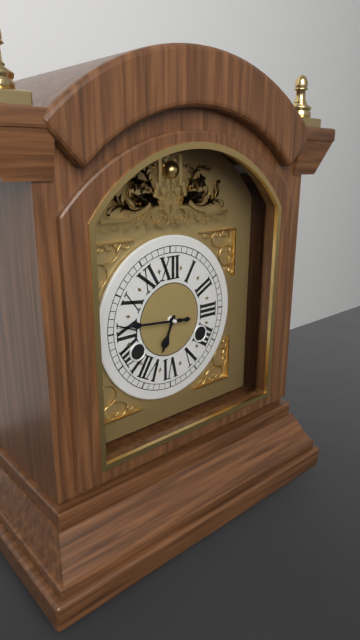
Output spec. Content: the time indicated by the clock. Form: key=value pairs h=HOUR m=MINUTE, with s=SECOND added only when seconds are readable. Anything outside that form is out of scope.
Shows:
h=6 m=46
